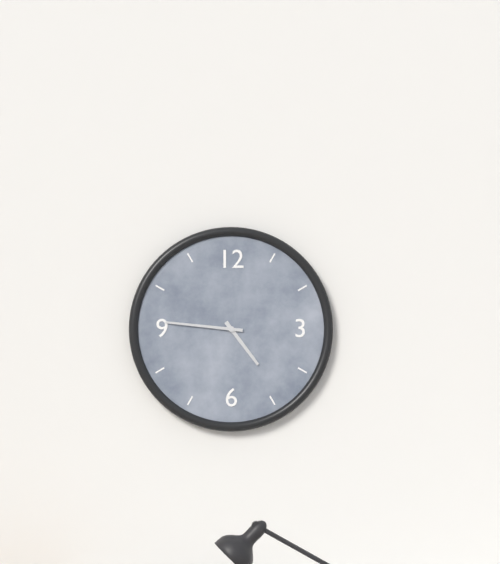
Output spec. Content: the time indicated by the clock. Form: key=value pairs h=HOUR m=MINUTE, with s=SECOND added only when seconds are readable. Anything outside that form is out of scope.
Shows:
h=4 m=46
